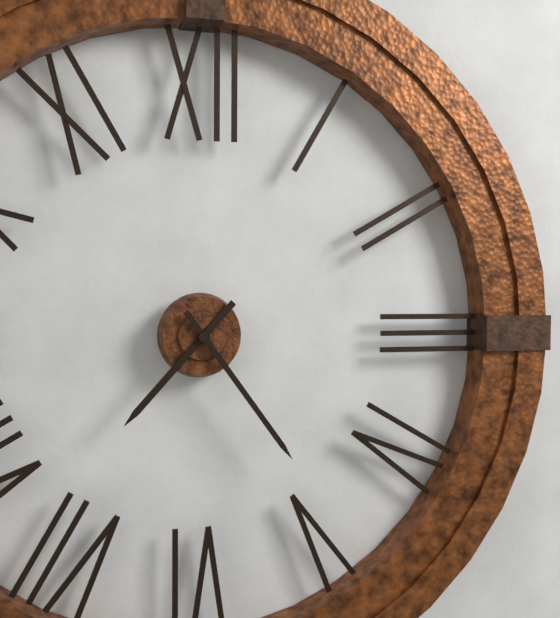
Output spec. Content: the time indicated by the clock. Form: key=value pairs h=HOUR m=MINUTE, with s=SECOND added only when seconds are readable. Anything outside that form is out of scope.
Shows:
h=7 m=24
